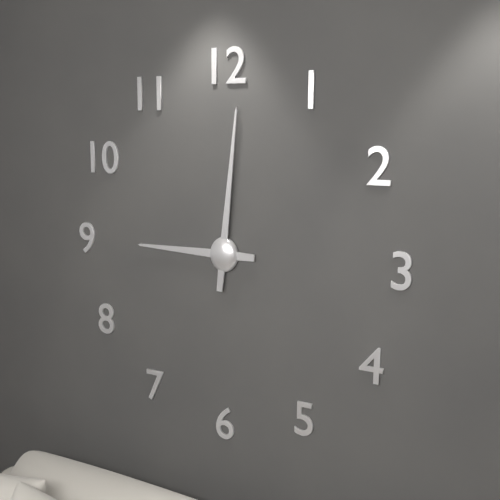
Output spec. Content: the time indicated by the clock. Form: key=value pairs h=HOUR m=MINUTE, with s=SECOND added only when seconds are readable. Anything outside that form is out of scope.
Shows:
h=9 m=1
